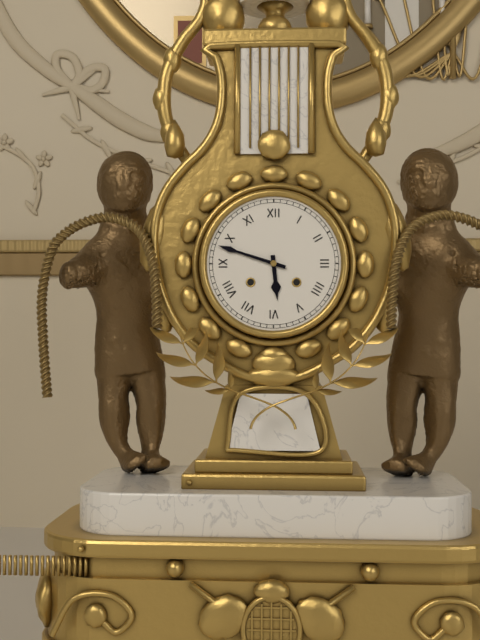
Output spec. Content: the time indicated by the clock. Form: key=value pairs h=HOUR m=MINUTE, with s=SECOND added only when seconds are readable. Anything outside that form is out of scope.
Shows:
h=5 m=48
